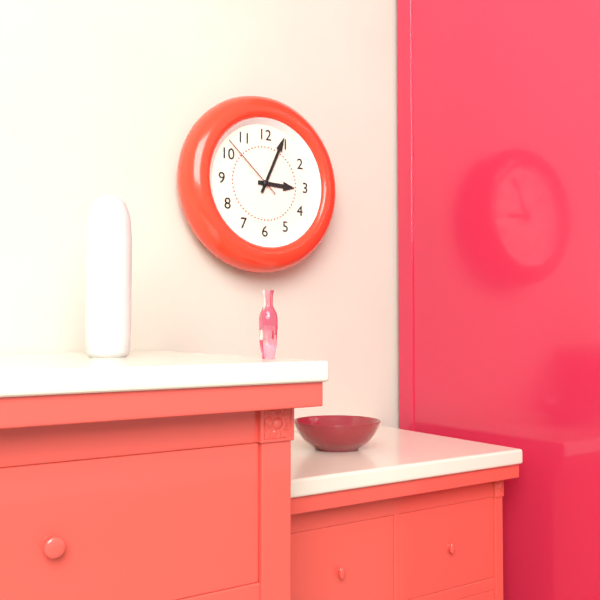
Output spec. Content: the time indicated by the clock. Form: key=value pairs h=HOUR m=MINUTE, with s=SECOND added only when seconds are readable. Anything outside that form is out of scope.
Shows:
h=3 m=4 s=52
